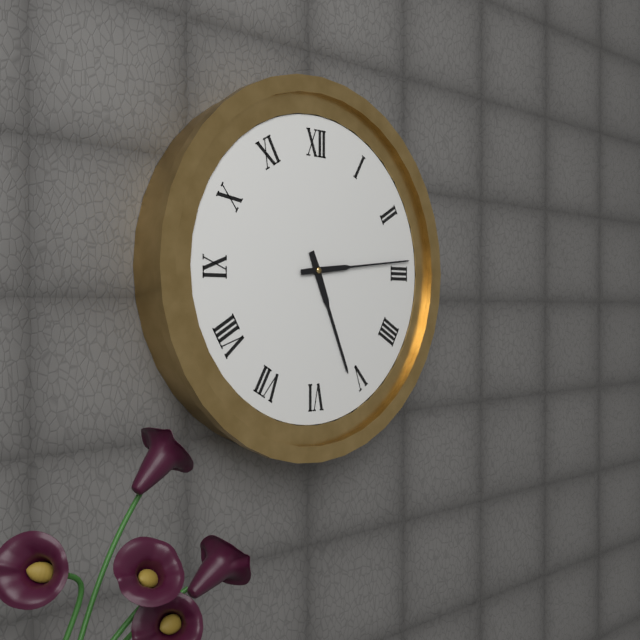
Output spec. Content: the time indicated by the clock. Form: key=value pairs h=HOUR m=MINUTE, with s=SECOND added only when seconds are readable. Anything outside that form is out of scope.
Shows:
h=5 m=14
